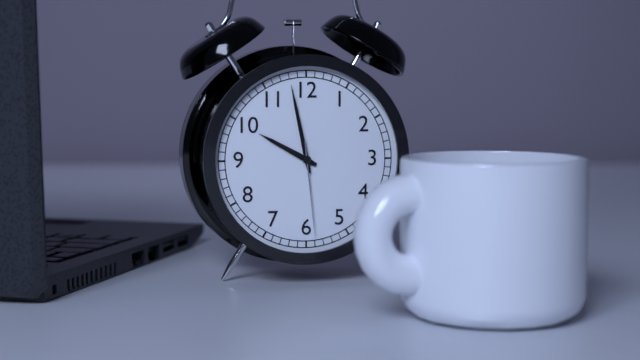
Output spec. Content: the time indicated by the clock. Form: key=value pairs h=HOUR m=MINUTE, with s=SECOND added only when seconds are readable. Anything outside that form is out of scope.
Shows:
h=9 m=58 s=29
